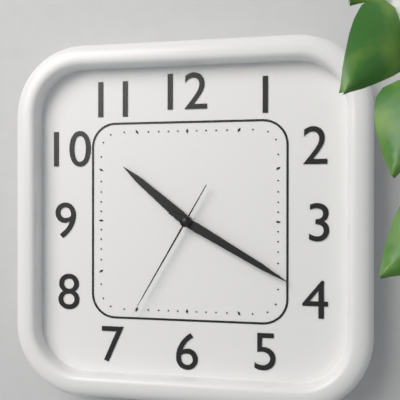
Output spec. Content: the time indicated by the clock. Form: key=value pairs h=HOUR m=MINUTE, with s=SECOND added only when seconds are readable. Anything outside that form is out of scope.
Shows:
h=10 m=20 s=35
